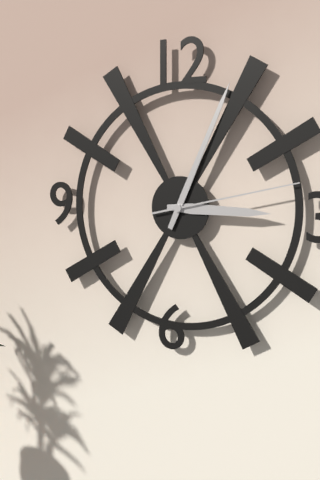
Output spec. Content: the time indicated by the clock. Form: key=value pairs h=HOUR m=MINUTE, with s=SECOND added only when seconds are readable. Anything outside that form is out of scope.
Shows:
h=3 m=4 s=13
